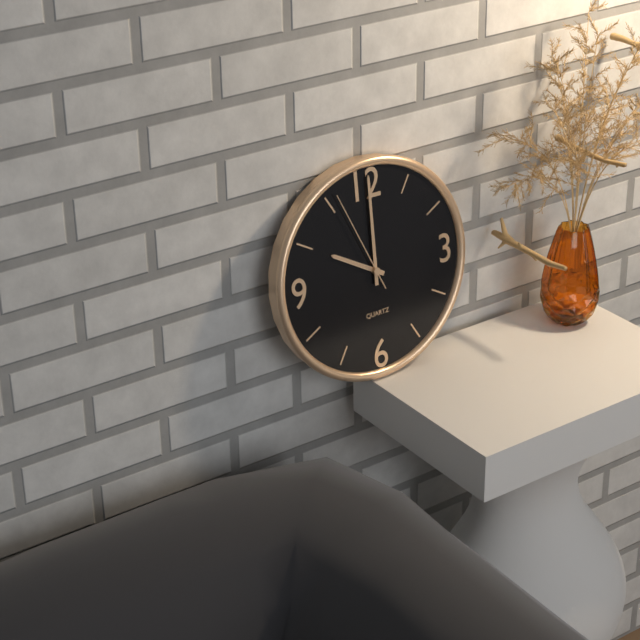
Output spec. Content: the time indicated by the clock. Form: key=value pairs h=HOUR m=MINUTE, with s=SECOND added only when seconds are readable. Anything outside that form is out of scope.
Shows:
h=10 m=0 s=56
